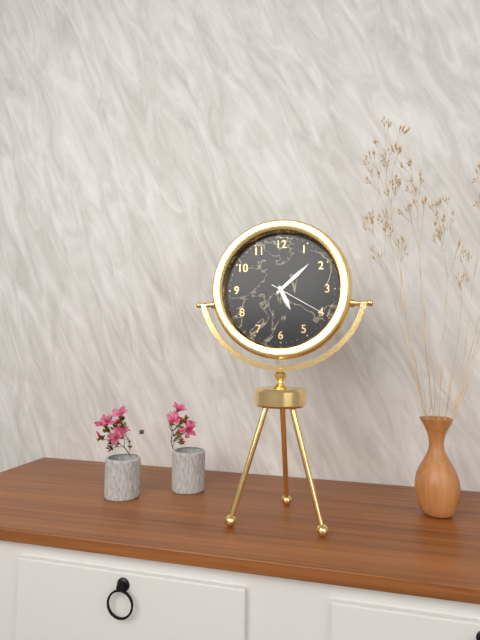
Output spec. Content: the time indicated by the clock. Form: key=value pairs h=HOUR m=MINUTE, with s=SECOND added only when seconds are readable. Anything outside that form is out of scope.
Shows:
h=5 m=8 s=20
